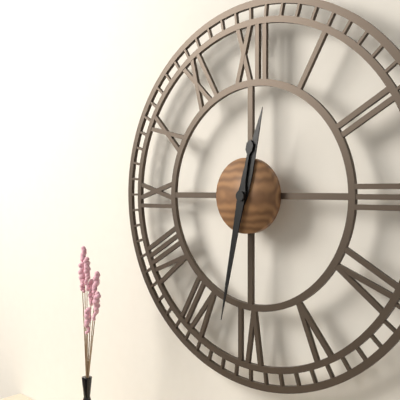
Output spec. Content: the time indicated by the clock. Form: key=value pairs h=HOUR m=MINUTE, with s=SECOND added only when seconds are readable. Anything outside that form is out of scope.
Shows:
h=12 m=32
